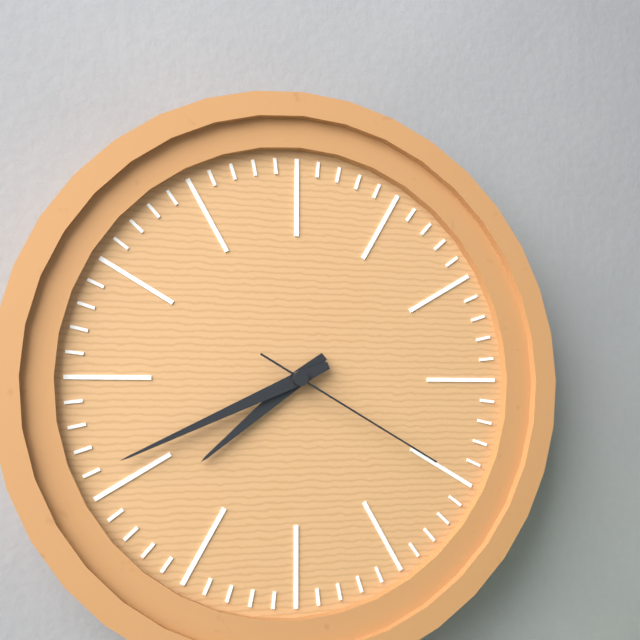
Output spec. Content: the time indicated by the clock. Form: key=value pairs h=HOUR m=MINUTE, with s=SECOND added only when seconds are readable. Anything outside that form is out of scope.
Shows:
h=7 m=41 s=20
